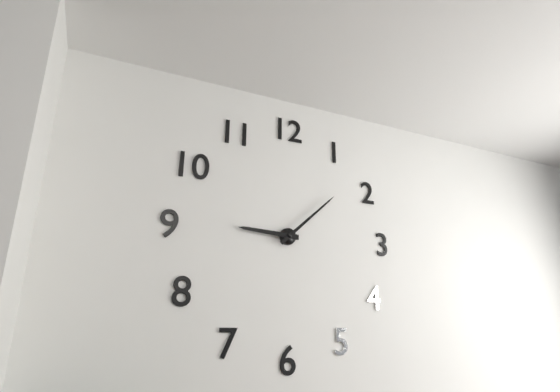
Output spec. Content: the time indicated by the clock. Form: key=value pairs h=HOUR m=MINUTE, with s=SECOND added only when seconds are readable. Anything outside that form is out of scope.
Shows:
h=9 m=8
